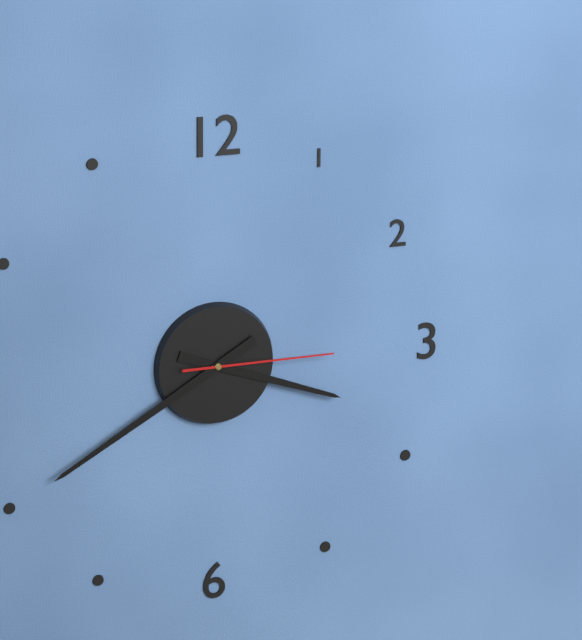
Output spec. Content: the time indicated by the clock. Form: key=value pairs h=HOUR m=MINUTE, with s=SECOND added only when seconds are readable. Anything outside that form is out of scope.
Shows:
h=3 m=40 s=15
